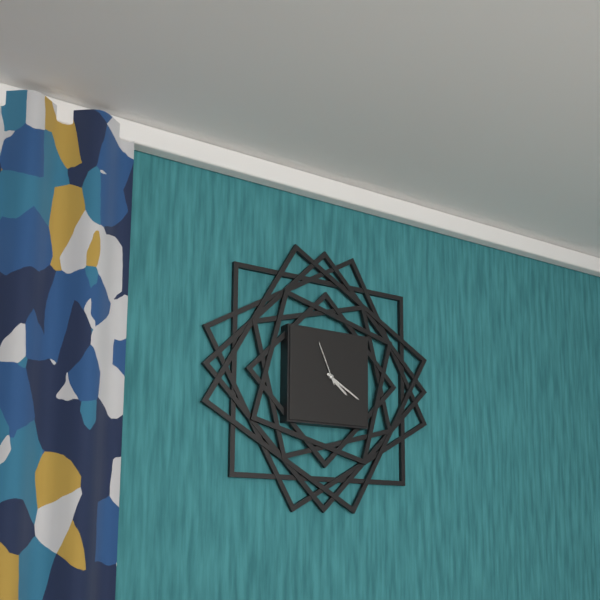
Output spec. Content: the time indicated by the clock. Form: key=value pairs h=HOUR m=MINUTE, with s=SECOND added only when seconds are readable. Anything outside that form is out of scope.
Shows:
h=4 m=20
